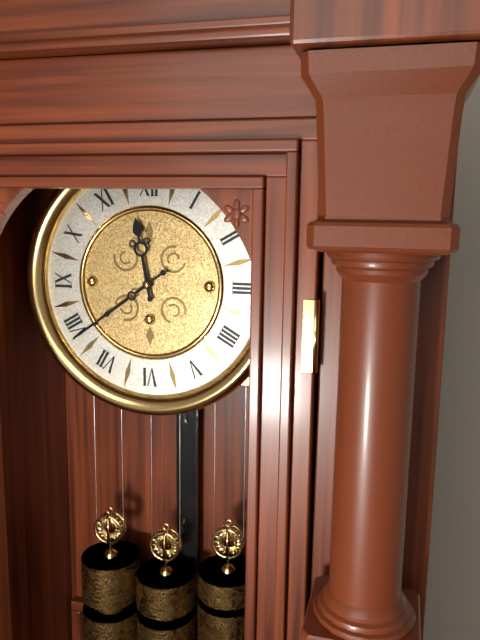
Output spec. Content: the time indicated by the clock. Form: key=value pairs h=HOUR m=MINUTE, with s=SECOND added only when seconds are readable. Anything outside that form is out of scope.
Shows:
h=11 m=39
